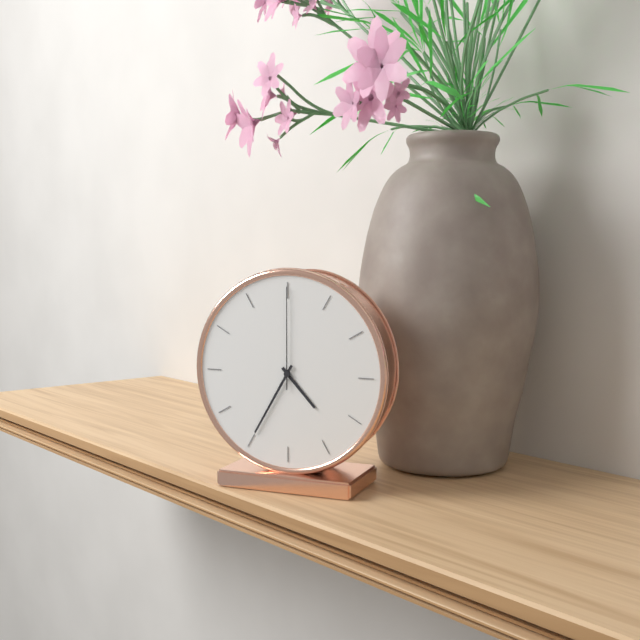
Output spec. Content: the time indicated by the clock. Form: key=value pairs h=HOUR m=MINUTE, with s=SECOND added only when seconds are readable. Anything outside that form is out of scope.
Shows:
h=4 m=35 s=0
